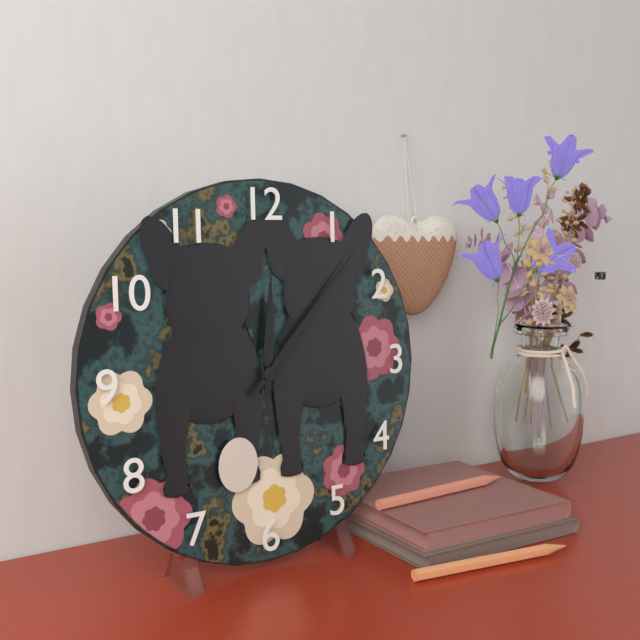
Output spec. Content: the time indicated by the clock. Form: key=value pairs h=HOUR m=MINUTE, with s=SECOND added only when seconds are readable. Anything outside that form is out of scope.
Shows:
h=12 m=7
